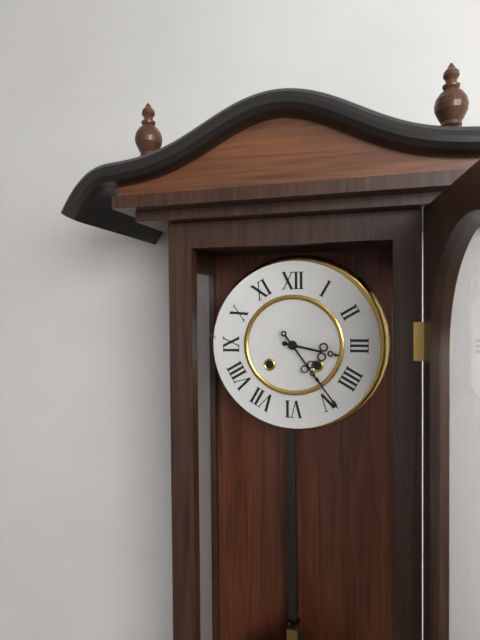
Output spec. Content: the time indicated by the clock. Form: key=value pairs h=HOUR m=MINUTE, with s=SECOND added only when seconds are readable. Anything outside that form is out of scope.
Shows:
h=3 m=24
